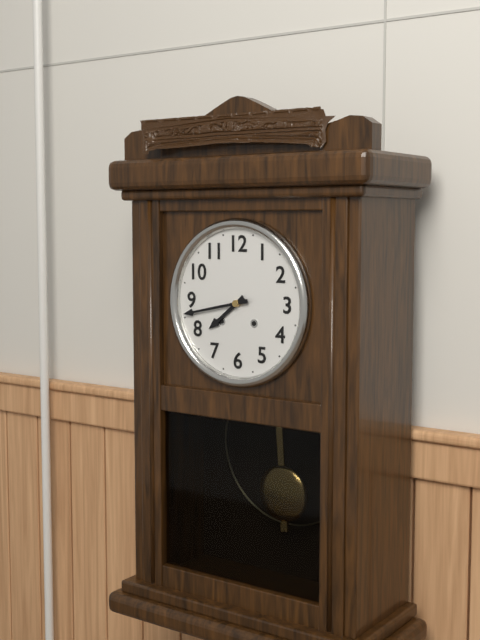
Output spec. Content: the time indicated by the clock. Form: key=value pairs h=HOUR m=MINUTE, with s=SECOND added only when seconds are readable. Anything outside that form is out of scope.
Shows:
h=7 m=43
